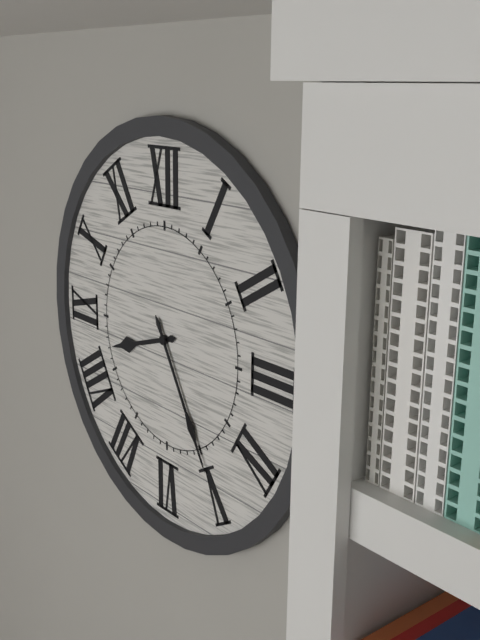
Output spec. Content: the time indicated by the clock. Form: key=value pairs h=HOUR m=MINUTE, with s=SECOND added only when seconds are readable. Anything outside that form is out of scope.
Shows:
h=8 m=25
